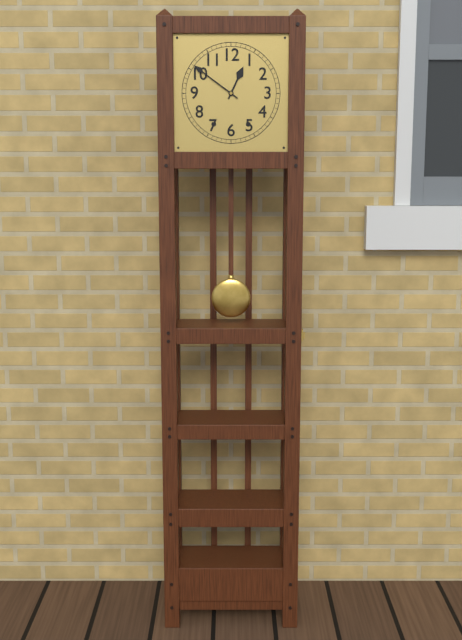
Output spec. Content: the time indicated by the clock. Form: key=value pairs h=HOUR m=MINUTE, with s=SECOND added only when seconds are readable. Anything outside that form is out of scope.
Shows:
h=12 m=51
